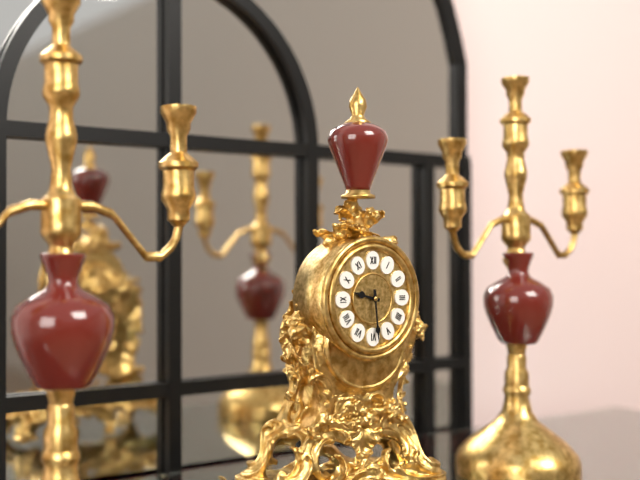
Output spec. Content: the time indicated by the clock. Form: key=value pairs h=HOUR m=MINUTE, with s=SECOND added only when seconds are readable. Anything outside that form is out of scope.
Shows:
h=9 m=29
